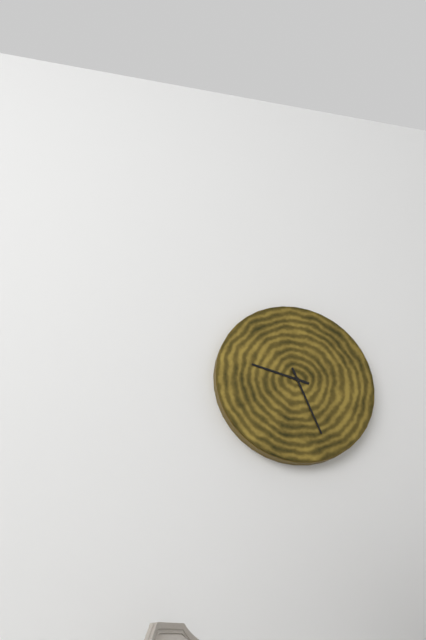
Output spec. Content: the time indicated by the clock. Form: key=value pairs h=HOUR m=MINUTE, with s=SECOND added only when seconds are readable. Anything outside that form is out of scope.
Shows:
h=9 m=26
